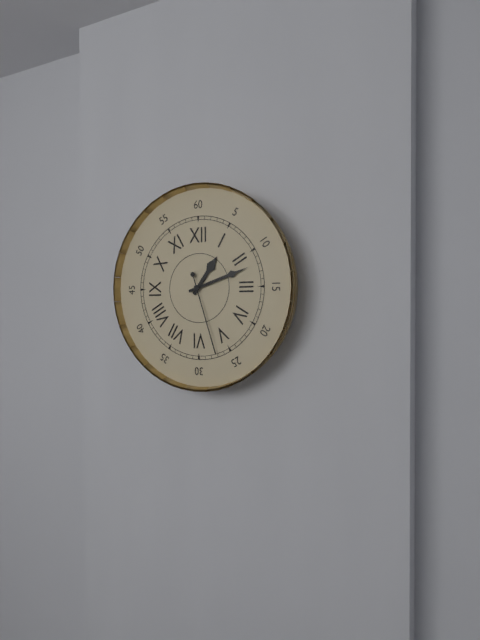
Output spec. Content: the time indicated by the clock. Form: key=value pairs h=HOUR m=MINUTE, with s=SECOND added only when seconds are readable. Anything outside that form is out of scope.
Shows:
h=1 m=12 s=27
